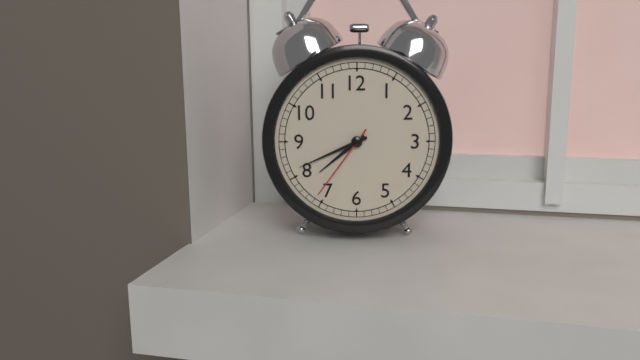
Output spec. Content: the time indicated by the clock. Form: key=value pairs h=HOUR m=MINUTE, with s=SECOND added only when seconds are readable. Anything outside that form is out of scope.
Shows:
h=7 m=41 s=36
